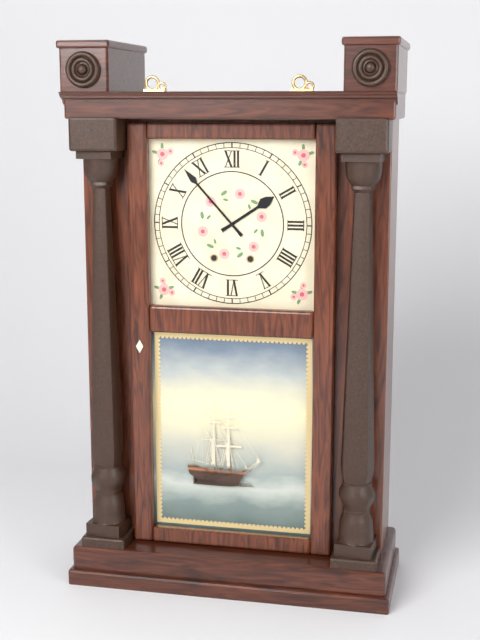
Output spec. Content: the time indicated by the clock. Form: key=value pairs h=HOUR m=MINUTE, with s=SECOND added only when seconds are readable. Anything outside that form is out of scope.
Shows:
h=1 m=53
